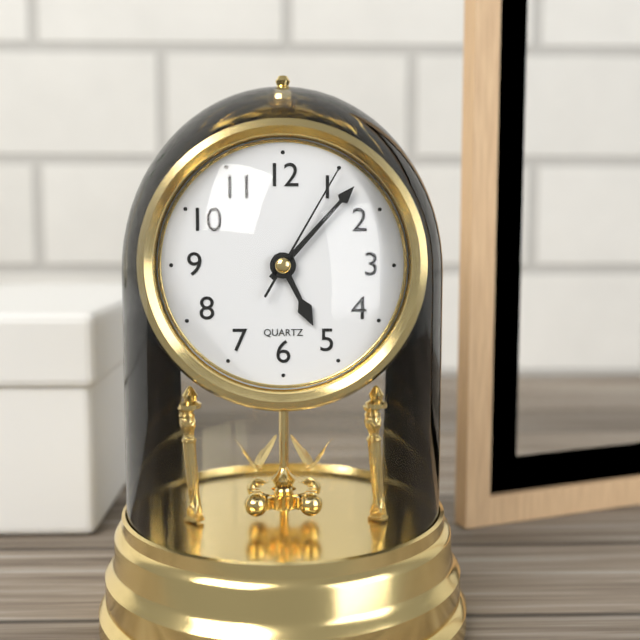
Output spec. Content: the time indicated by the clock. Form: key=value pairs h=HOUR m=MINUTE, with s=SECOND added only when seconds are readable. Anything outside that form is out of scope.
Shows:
h=5 m=7 s=5
